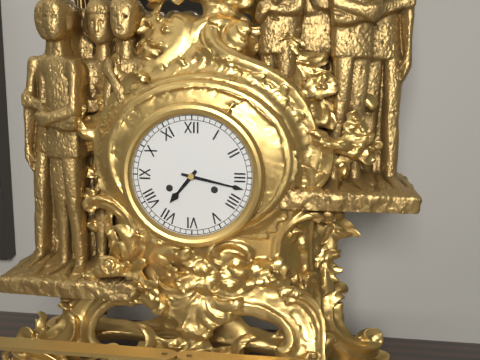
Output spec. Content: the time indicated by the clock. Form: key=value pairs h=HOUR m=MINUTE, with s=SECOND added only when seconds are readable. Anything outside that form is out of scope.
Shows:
h=7 m=17
